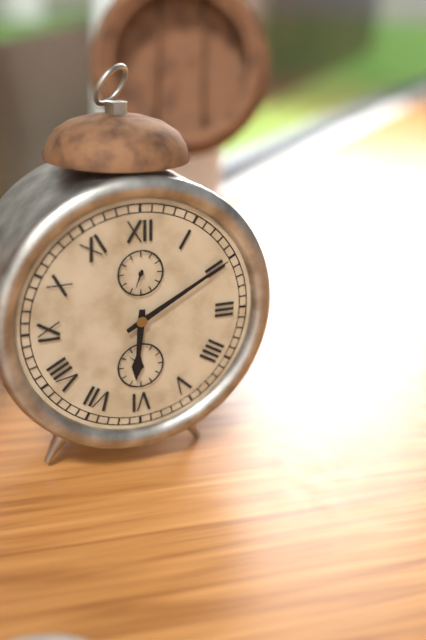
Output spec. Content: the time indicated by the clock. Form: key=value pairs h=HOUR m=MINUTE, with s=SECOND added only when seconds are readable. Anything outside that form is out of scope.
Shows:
h=6 m=10
